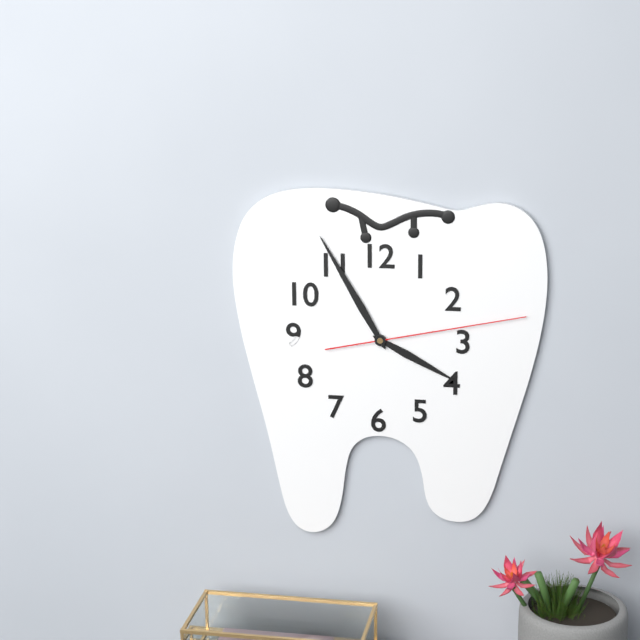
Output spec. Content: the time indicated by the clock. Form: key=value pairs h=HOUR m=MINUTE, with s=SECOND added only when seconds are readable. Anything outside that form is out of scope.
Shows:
h=3 m=55 s=13
